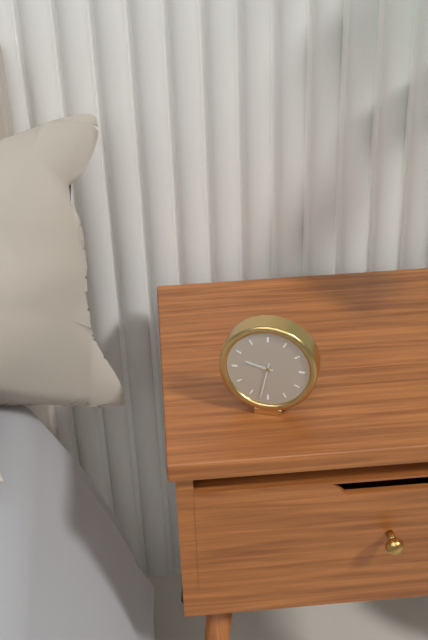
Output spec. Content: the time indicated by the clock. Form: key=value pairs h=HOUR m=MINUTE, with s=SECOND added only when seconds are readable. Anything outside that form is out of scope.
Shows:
h=9 m=32
